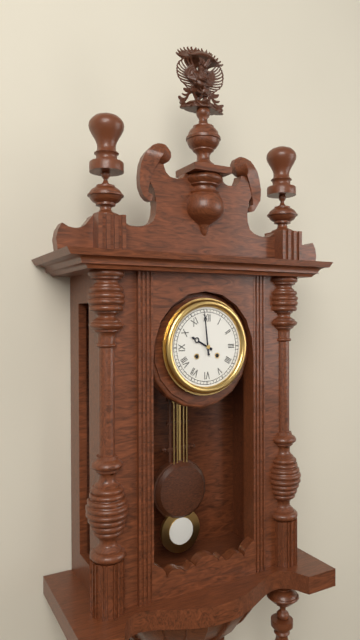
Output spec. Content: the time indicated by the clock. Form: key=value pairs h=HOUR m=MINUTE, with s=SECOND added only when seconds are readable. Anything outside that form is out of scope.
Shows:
h=9 m=59
